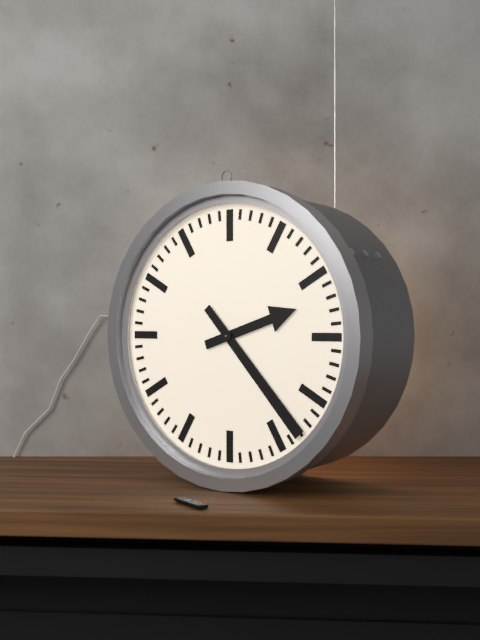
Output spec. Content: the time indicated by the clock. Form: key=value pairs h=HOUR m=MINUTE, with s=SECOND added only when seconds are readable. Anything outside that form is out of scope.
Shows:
h=2 m=23
